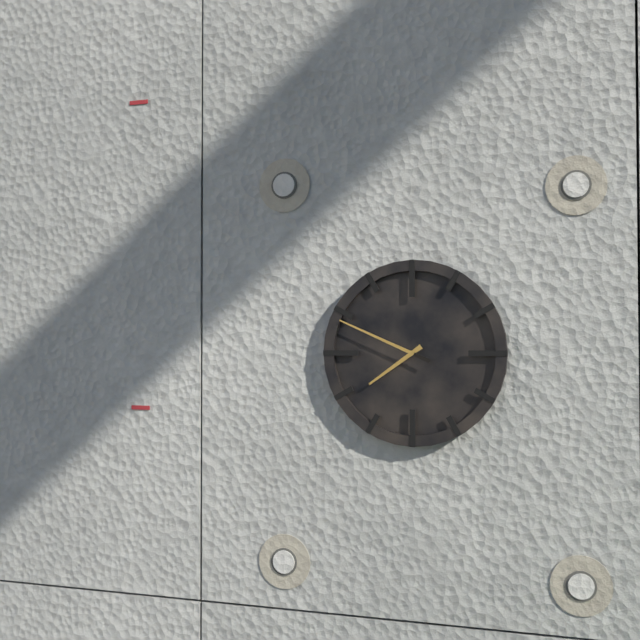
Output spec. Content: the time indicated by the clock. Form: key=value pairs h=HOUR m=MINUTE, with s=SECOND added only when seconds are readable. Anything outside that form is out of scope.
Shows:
h=7 m=49
